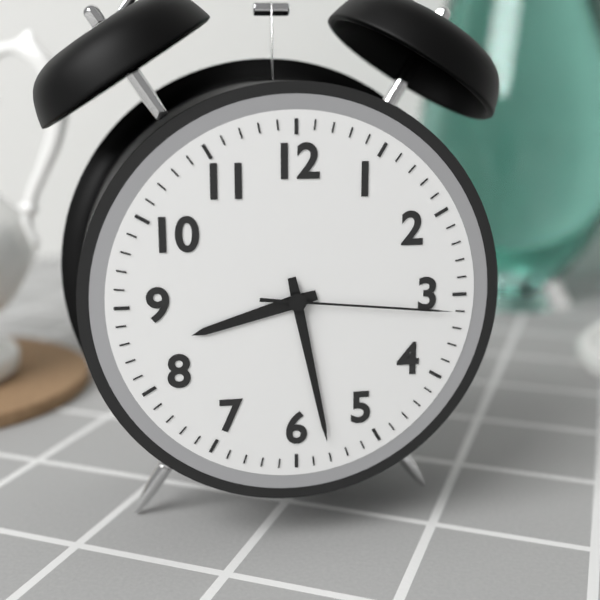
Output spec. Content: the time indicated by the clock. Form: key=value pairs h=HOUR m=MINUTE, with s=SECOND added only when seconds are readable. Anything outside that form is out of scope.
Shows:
h=8 m=28 s=16
